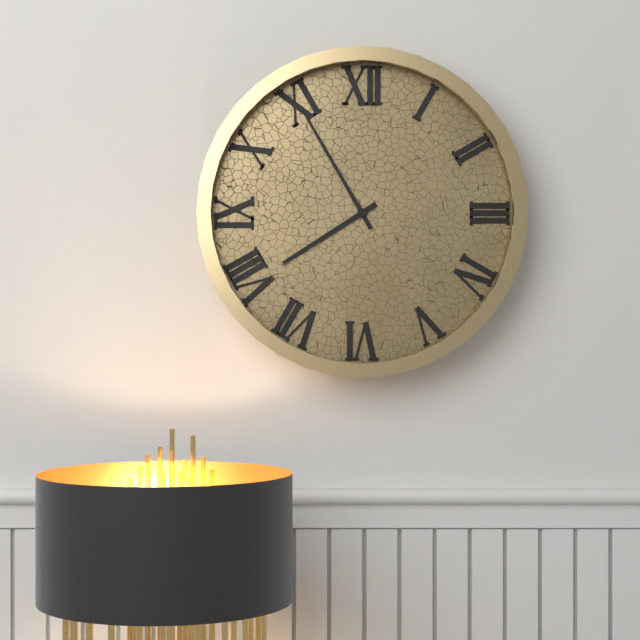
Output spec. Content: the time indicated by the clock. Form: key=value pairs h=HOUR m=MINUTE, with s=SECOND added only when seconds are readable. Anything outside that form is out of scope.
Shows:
h=7 m=55
